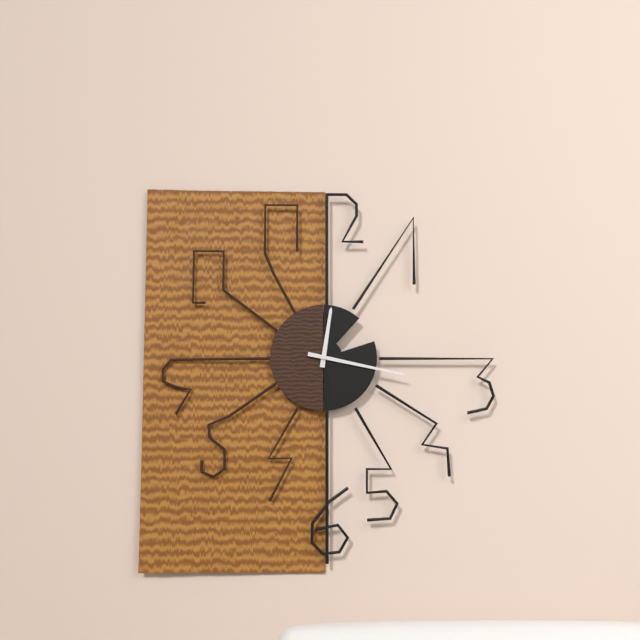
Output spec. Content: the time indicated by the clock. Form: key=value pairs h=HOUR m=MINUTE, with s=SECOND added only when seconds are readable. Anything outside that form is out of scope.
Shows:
h=12 m=17
